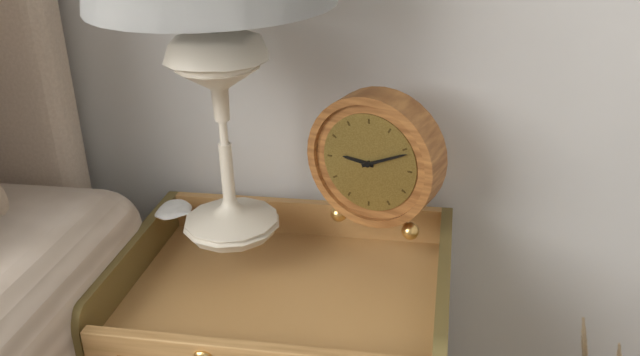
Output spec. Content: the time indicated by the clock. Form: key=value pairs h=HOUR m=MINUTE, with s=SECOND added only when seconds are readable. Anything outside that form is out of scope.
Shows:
h=9 m=11
